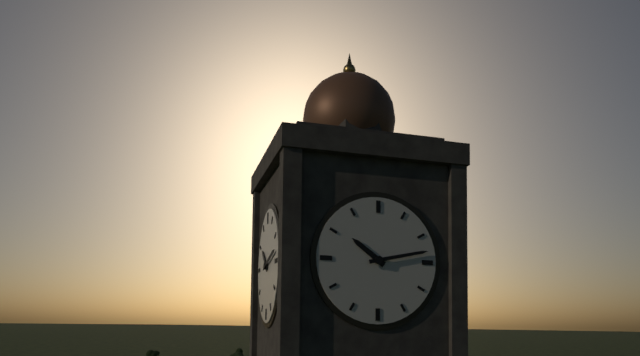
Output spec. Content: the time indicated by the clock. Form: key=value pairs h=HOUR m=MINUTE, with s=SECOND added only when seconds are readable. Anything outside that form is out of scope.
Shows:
h=10 m=13
